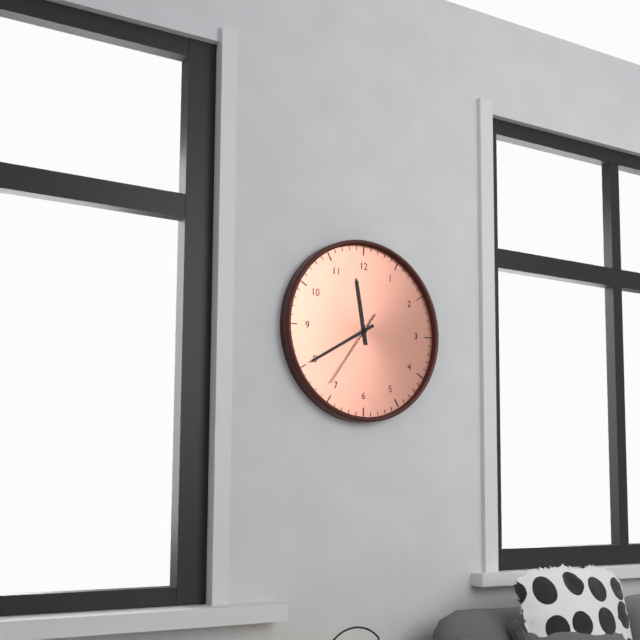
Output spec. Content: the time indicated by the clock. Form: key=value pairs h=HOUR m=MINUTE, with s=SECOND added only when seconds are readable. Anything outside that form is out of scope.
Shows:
h=11 m=40 s=36
